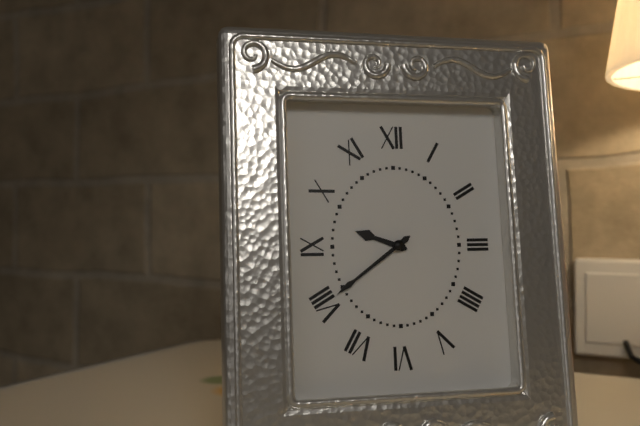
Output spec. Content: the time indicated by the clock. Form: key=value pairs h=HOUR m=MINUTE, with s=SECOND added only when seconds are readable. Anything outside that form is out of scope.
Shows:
h=9 m=39
